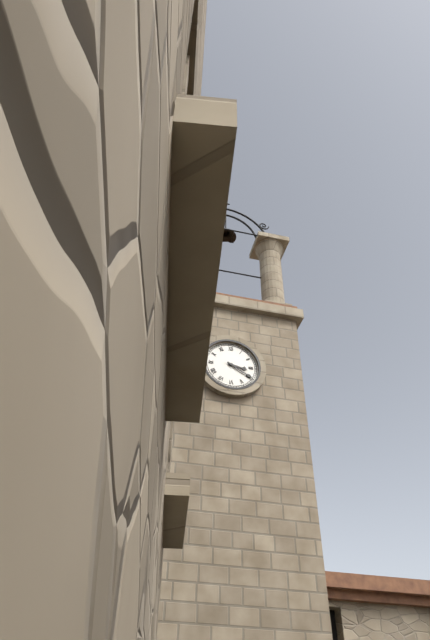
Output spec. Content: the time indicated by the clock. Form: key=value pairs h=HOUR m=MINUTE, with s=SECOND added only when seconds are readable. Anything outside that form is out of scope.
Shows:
h=3 m=20
